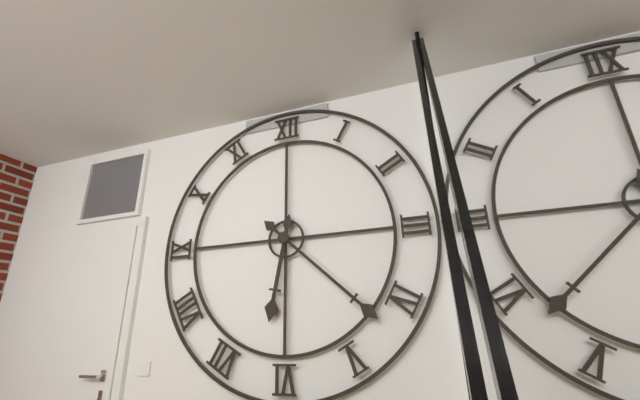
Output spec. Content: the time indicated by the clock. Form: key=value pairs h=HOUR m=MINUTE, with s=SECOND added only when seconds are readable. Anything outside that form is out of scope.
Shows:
h=6 m=22
